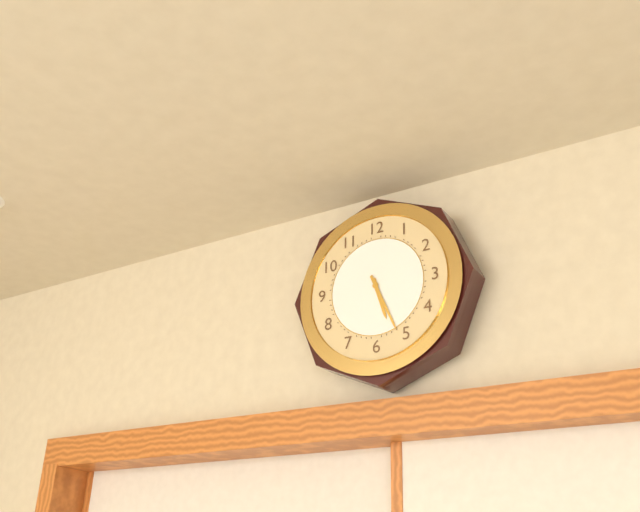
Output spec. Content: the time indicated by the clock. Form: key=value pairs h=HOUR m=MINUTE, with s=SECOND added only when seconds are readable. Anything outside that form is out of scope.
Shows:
h=5 m=26
